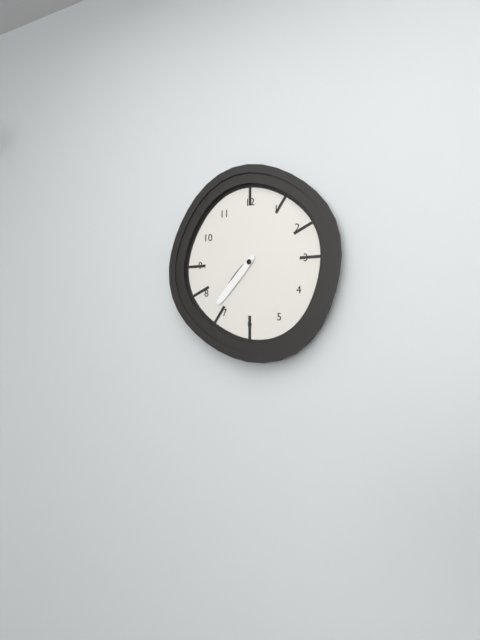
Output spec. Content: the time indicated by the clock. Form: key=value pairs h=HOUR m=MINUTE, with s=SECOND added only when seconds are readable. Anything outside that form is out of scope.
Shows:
h=7 m=37
